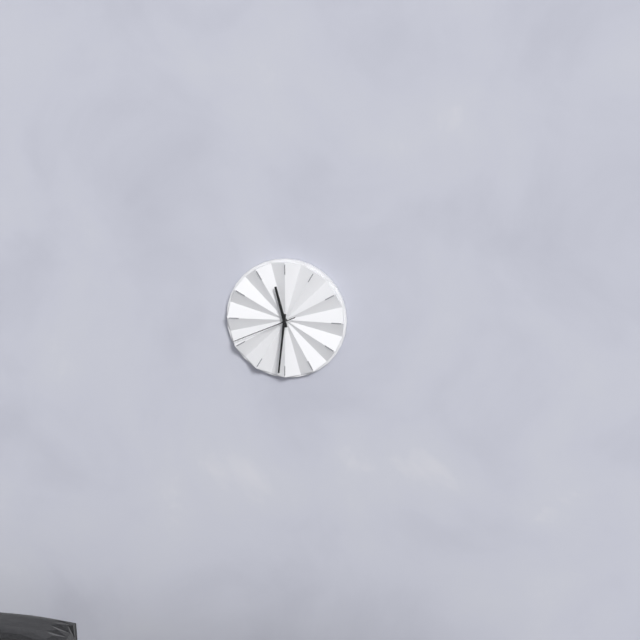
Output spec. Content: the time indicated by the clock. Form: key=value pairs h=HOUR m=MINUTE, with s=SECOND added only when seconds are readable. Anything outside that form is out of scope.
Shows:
h=11 m=31 s=41
